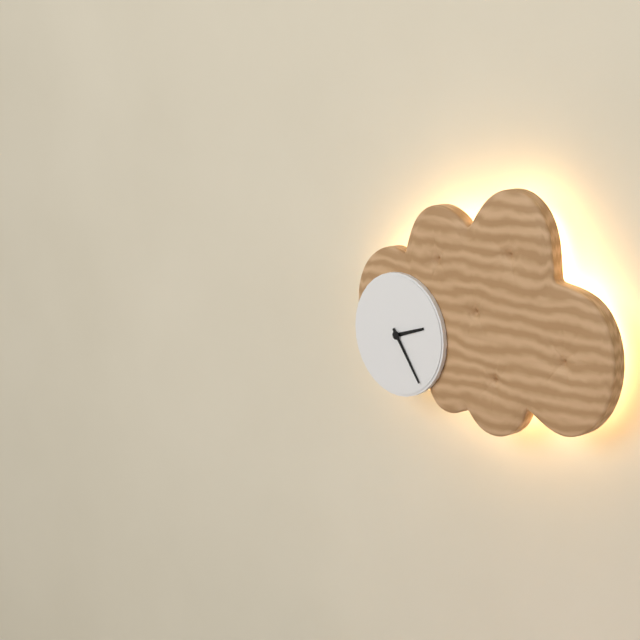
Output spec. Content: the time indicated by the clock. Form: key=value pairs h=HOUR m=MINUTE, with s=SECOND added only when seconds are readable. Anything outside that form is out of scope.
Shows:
h=2 m=24
